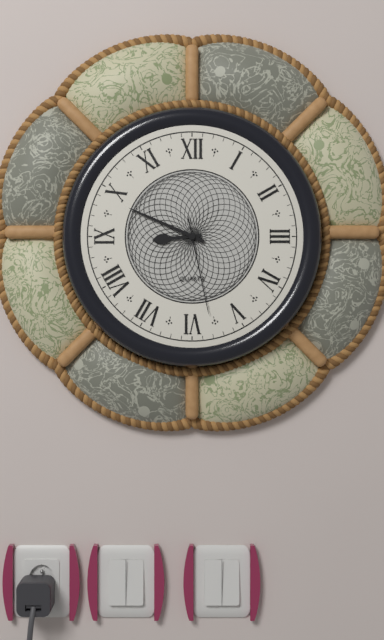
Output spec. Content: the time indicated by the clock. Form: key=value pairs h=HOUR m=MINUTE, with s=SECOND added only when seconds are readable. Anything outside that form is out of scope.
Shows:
h=8 m=49 s=28
